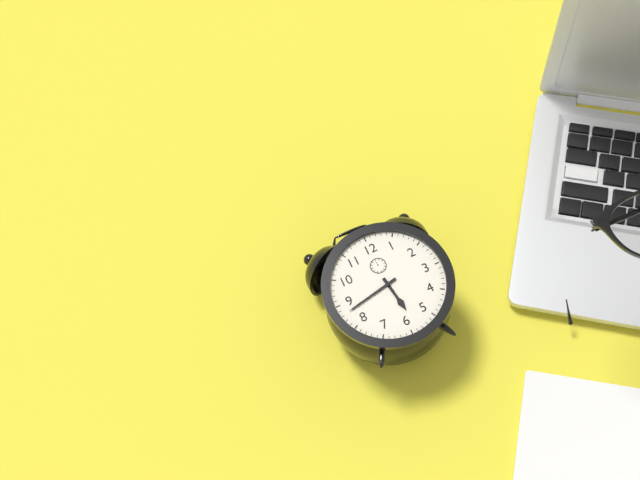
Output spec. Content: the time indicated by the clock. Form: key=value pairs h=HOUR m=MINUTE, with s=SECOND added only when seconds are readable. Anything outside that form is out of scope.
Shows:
h=5 m=43
